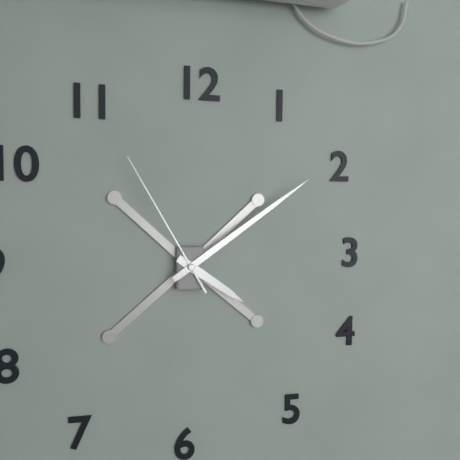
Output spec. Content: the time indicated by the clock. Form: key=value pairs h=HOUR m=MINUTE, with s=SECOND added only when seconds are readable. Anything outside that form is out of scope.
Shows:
h=4 m=9 s=55
